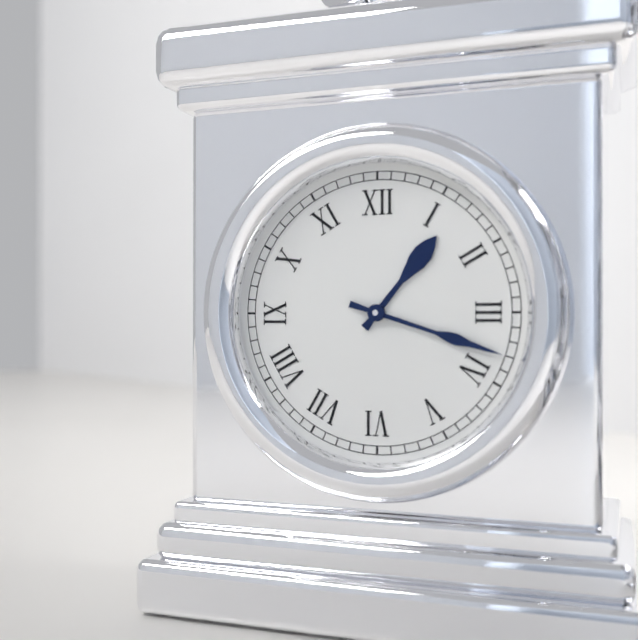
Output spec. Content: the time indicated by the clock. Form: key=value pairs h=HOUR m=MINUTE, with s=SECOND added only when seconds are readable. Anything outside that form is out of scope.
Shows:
h=1 m=18
